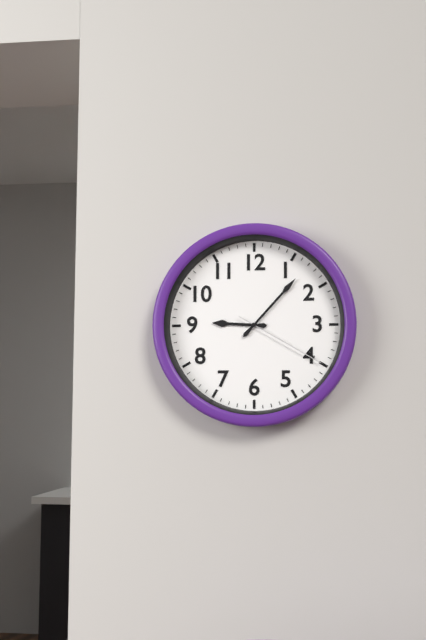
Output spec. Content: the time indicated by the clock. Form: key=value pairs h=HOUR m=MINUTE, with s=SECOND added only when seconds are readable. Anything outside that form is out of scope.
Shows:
h=9 m=7 s=20
